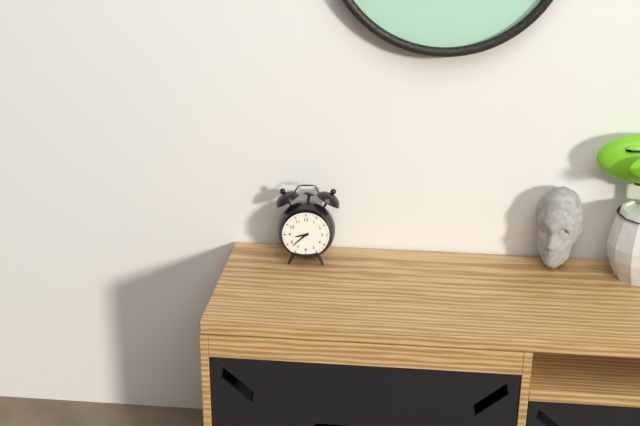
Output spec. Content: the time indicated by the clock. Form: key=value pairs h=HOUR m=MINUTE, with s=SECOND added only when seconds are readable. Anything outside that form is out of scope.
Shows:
h=8 m=38
